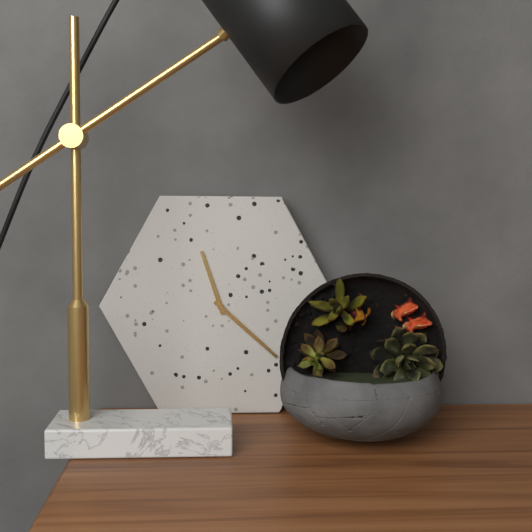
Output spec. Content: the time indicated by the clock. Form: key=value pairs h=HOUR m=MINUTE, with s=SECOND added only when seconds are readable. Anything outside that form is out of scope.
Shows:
h=11 m=22
